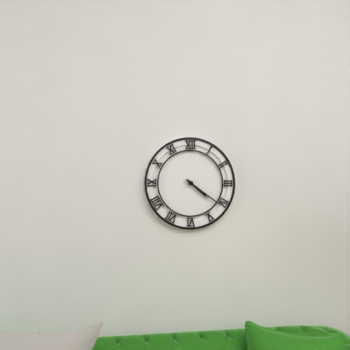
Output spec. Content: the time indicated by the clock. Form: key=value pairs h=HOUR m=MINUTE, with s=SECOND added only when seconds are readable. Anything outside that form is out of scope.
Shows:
h=4 m=21
